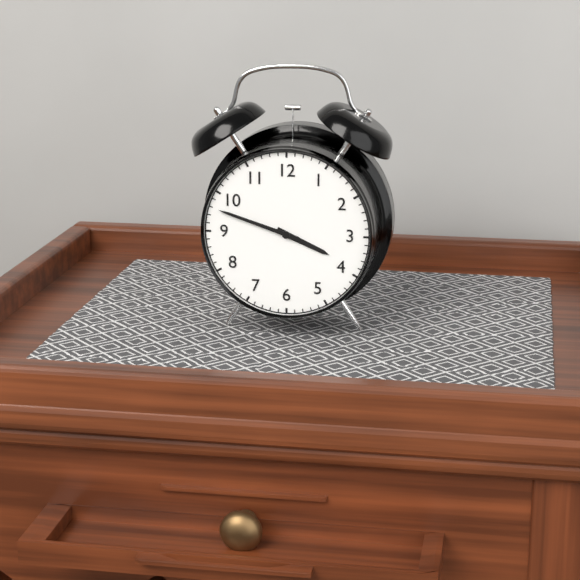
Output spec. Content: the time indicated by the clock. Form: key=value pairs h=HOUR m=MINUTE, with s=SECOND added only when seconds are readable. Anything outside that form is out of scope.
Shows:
h=3 m=48
